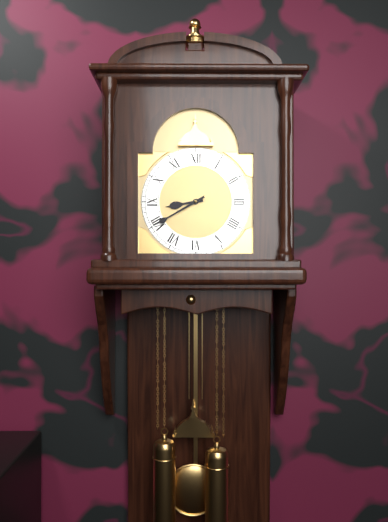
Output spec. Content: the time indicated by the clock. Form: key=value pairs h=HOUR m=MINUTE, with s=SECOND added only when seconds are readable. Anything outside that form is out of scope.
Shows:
h=8 m=40
